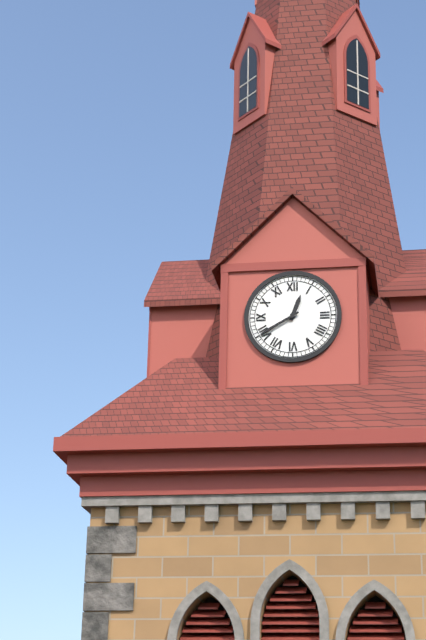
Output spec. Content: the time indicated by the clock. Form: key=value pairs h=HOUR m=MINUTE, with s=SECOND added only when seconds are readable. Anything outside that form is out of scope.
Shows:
h=12 m=40
